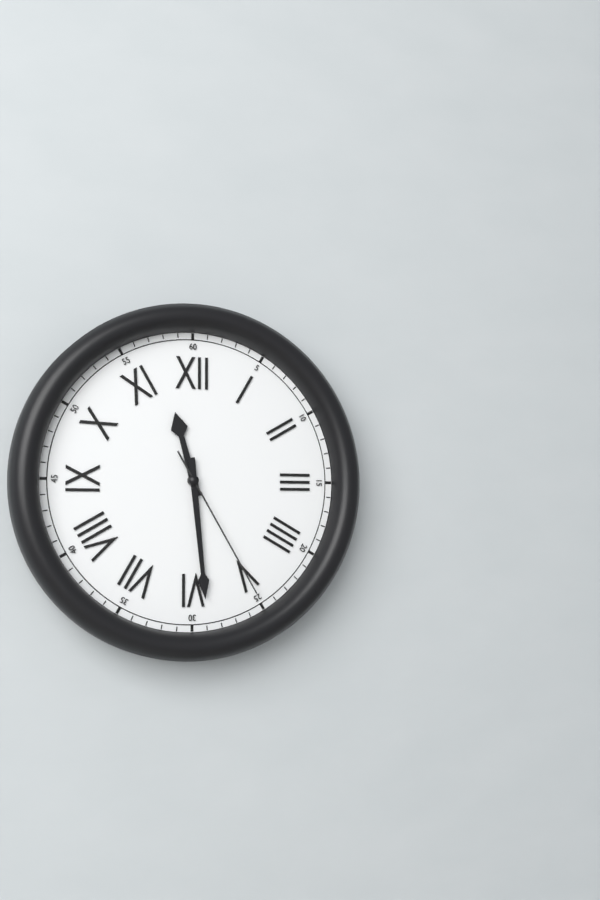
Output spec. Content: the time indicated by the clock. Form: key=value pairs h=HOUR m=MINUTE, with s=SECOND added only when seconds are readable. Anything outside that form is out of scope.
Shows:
h=11 m=29 s=25
